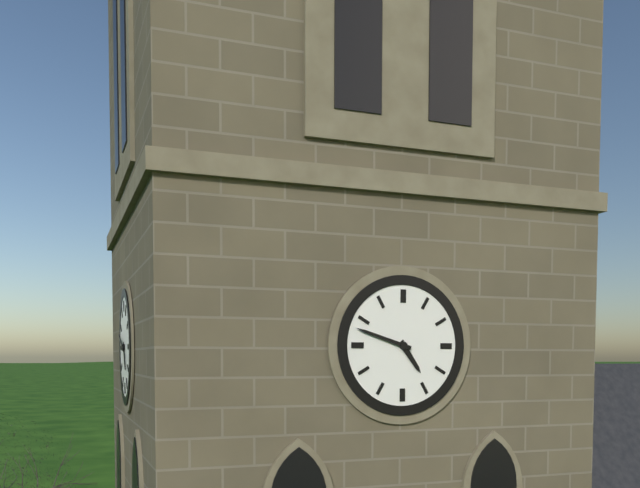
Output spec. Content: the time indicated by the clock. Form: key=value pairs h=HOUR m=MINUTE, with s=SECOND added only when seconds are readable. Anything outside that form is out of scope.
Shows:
h=4 m=48
